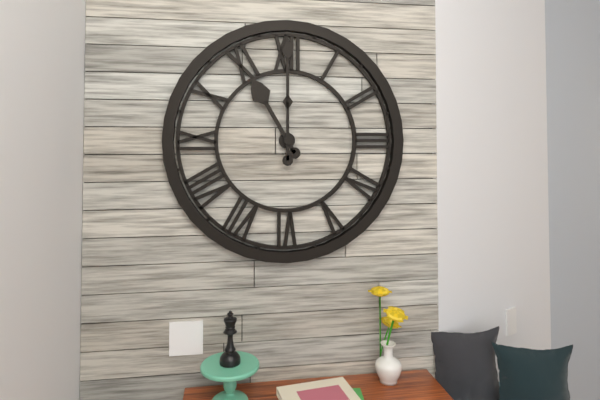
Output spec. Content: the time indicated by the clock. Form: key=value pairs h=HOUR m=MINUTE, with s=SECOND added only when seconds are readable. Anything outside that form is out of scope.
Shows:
h=11 m=0
